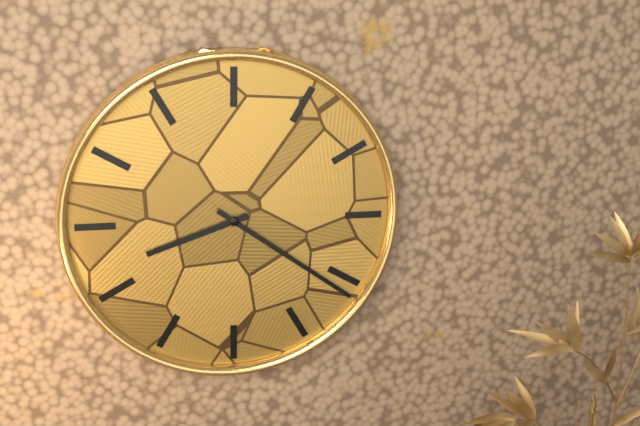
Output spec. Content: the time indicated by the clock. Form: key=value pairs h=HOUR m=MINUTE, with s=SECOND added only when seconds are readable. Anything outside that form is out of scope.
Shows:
h=8 m=21
